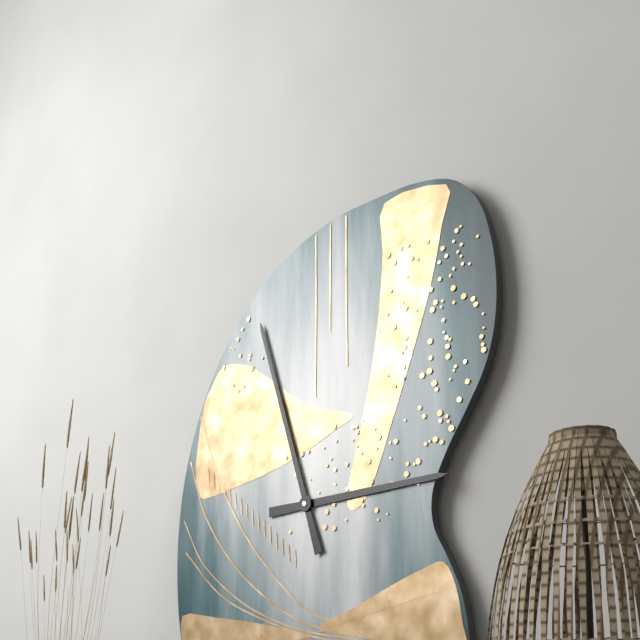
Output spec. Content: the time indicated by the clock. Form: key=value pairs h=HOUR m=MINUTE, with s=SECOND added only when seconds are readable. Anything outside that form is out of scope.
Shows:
h=2 m=57
